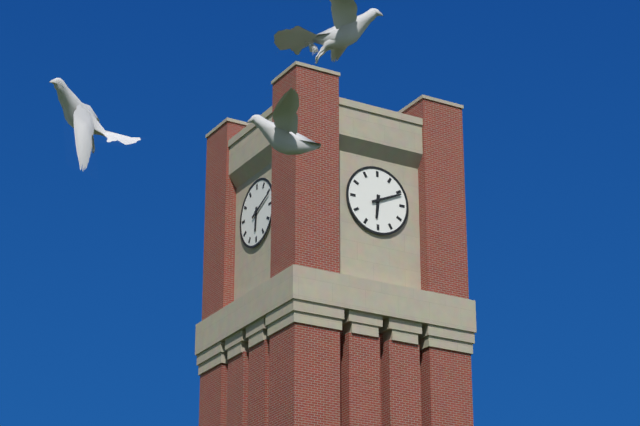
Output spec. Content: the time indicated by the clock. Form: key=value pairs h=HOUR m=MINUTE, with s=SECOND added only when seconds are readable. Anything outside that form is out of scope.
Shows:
h=6 m=11
